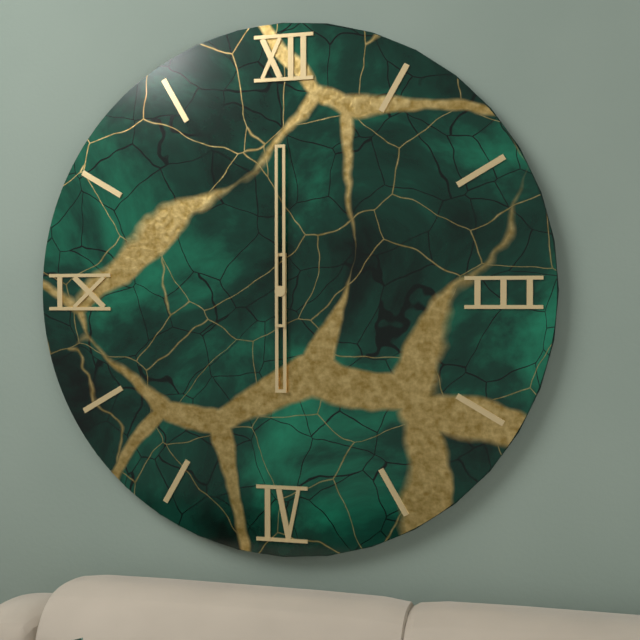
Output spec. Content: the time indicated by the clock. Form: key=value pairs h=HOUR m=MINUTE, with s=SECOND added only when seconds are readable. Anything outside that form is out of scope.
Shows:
h=6 m=0
